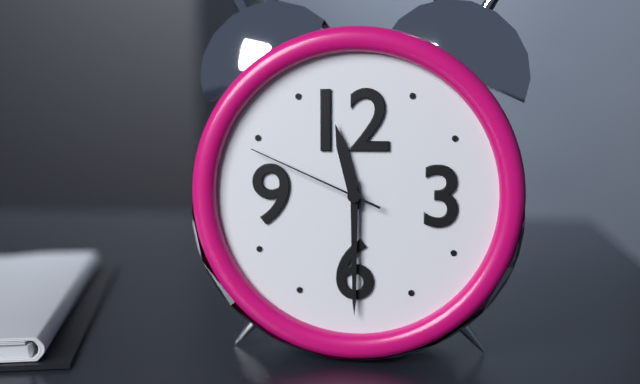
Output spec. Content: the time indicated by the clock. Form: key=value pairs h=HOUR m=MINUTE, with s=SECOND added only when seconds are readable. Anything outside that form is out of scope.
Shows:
h=11 m=30 s=49
